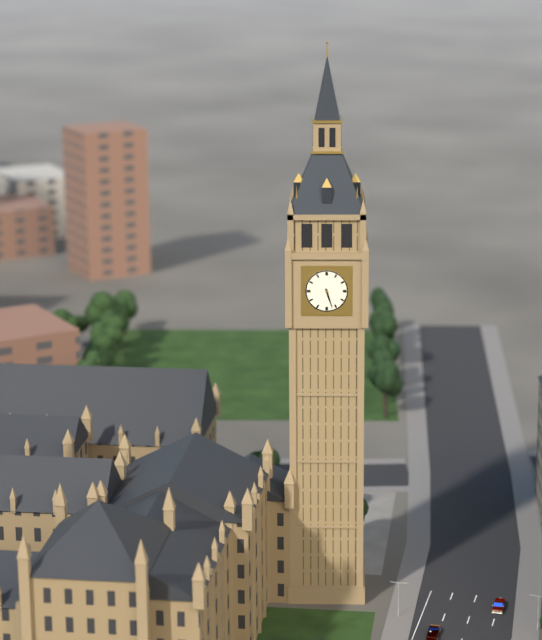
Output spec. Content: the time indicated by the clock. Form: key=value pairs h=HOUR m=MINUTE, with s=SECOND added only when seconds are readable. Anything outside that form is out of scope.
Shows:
h=5 m=27
